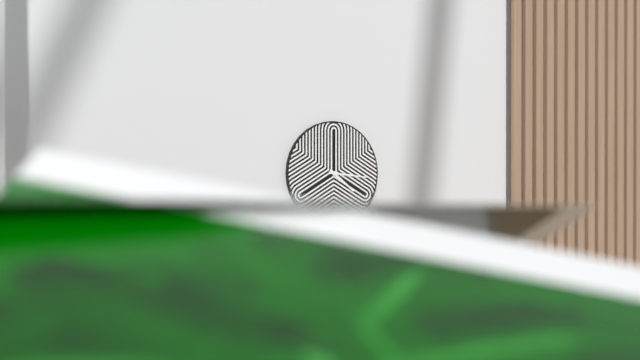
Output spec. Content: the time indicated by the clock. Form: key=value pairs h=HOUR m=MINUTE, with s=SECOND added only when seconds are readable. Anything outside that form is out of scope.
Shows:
h=4 m=16
